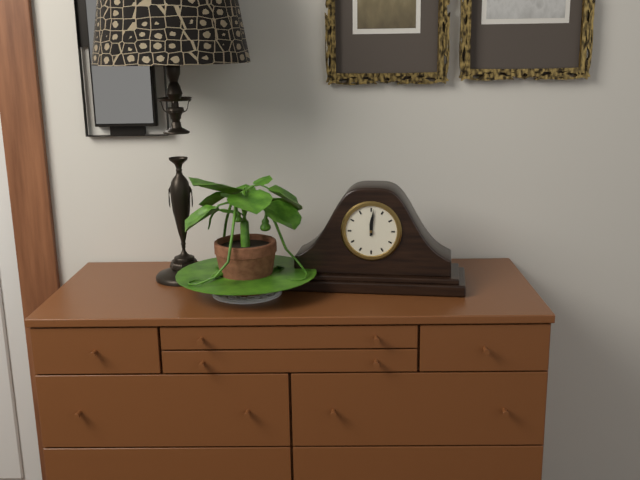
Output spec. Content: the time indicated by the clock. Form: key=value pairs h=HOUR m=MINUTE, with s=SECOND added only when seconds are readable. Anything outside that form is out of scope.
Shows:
h=12 m=1
